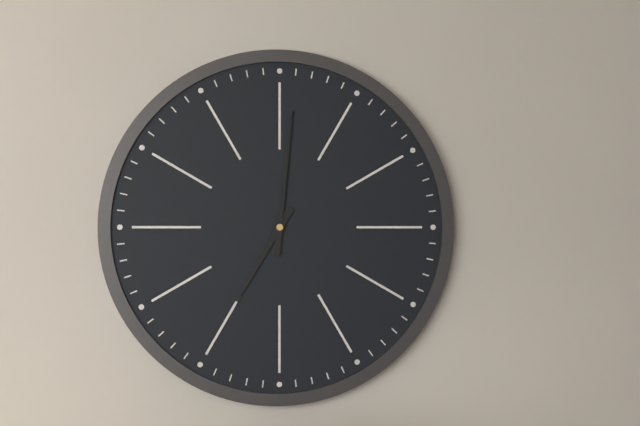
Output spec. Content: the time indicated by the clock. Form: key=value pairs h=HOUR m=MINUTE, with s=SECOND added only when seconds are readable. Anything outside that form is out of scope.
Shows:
h=7 m=1
